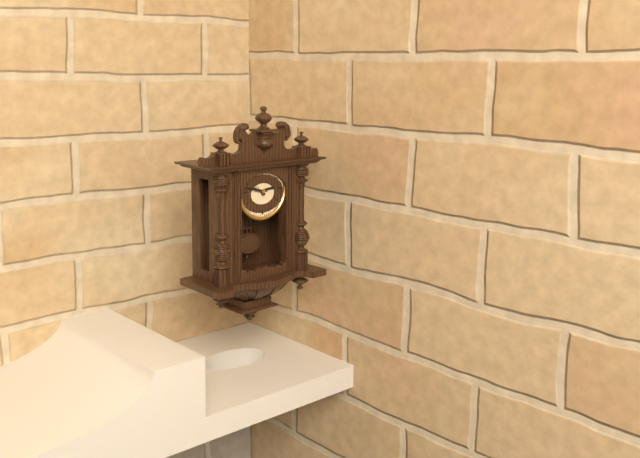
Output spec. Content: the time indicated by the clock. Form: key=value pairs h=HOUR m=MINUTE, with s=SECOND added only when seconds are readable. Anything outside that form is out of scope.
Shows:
h=2 m=47
